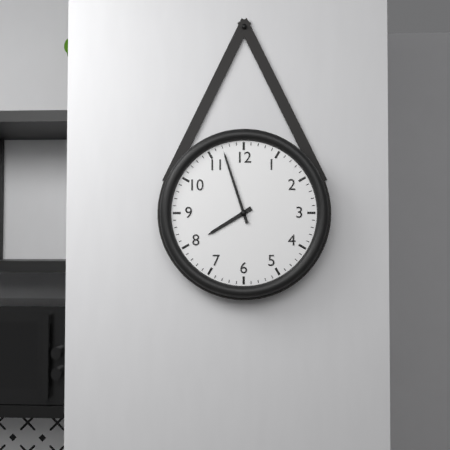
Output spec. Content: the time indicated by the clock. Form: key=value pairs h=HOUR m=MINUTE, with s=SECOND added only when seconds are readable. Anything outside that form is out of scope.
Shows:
h=7 m=57
